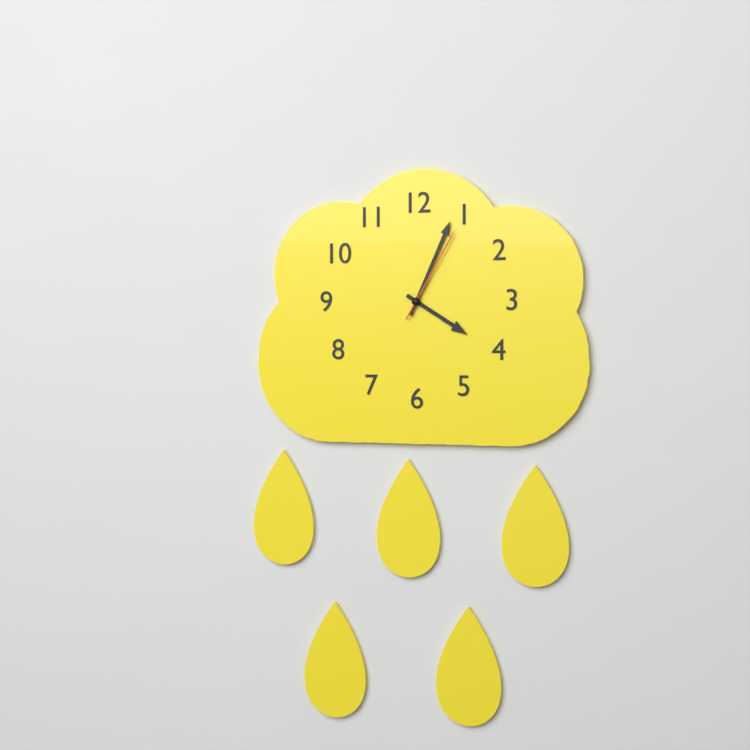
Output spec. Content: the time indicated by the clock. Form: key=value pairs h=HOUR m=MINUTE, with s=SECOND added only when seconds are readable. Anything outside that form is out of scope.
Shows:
h=4 m=4 s=5
